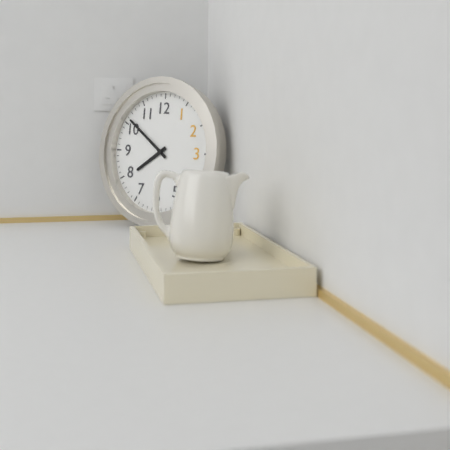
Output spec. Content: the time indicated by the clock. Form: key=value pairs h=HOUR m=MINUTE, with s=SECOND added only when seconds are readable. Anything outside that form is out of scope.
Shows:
h=7 m=51
